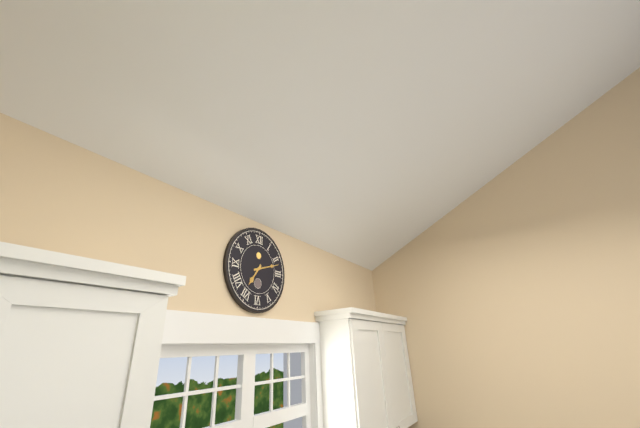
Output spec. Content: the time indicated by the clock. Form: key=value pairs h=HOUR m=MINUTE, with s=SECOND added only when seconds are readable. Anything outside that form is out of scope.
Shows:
h=7 m=12
